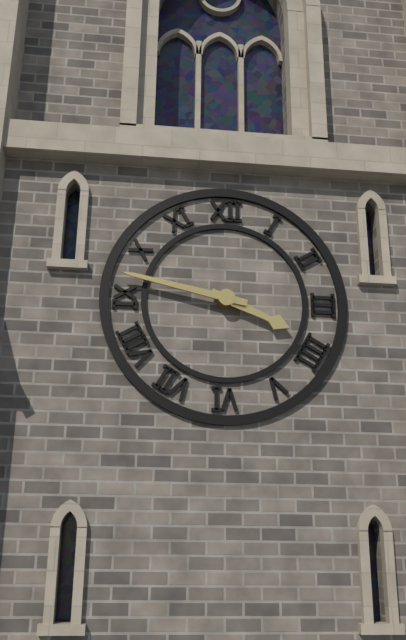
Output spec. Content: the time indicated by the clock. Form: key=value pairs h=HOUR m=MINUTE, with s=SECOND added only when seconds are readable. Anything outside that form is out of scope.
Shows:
h=3 m=47
